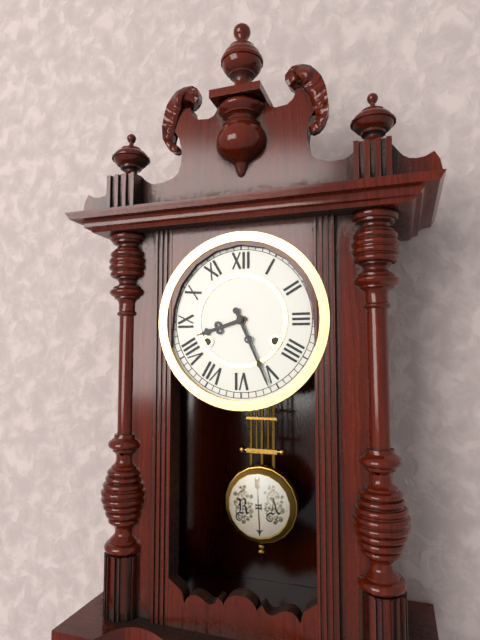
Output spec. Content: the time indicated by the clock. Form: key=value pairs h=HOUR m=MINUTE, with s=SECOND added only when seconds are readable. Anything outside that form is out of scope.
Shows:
h=8 m=26
